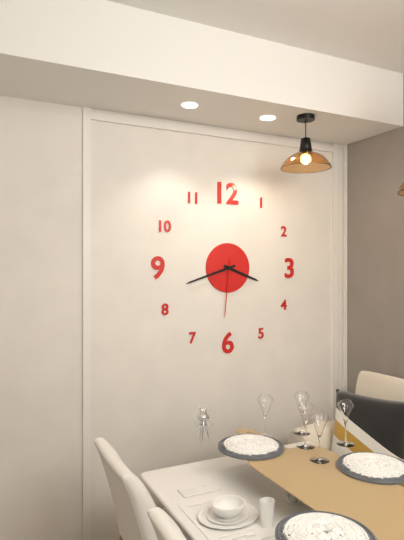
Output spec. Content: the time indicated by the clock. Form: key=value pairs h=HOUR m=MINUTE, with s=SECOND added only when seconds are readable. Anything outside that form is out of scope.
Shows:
h=3 m=42 s=31
